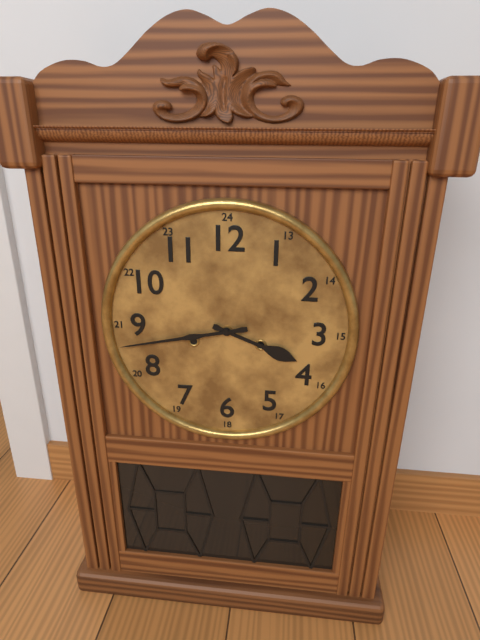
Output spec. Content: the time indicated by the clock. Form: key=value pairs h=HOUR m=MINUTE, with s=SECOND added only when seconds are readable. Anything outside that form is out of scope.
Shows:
h=3 m=43
